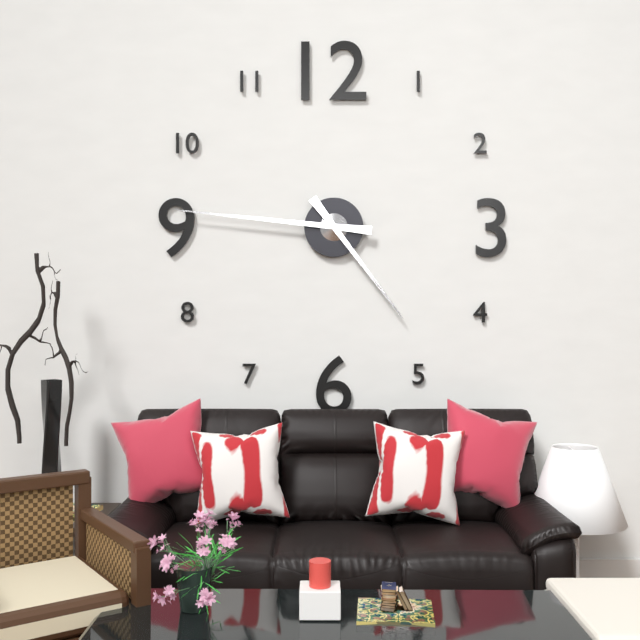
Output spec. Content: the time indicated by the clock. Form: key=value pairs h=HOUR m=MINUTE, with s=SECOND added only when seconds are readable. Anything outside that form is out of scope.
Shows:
h=4 m=46
